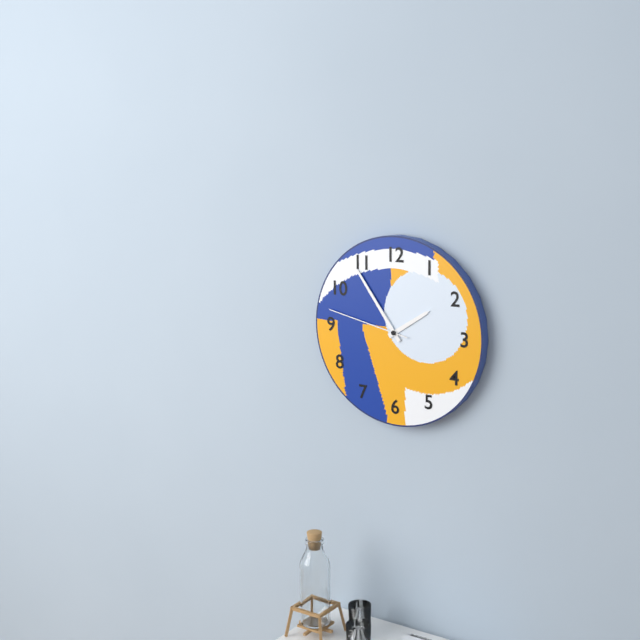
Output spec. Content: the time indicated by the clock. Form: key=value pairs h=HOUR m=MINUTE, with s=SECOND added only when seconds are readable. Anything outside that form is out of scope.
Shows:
h=1 m=54 s=47
